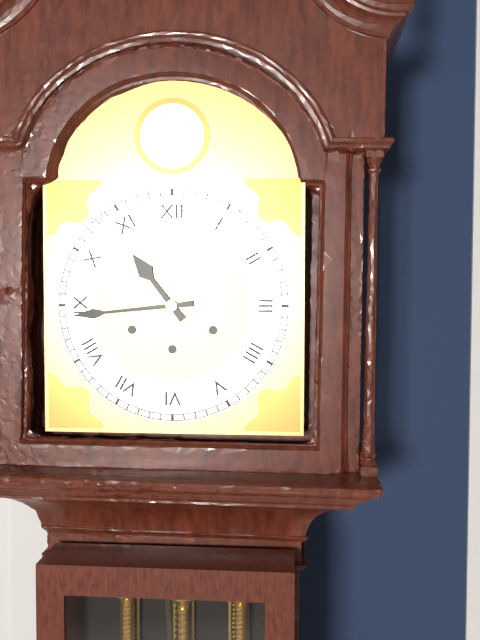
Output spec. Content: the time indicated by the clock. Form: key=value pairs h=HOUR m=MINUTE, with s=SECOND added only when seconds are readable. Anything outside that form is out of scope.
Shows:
h=10 m=44
